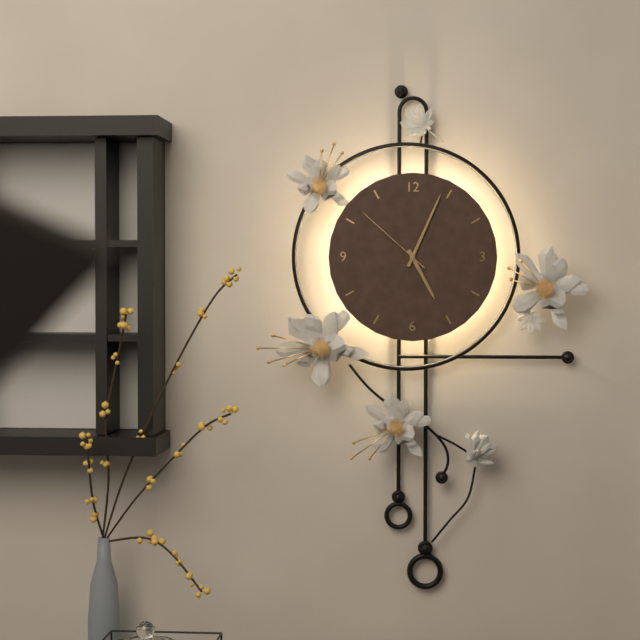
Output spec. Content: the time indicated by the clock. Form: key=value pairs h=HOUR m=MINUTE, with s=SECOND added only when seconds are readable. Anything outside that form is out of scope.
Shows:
h=5 m=4 s=52
